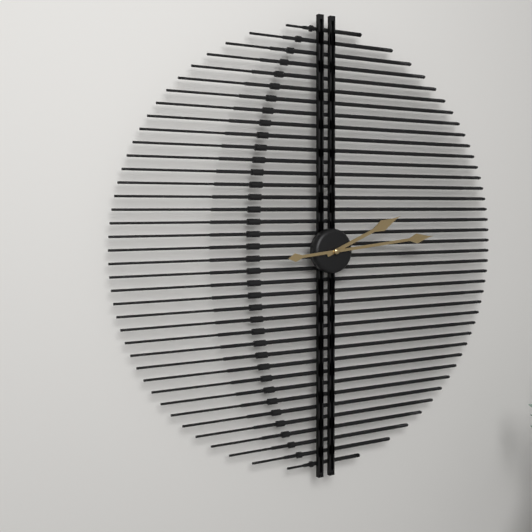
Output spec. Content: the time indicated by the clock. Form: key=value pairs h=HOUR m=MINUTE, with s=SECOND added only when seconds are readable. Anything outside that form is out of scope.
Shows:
h=2 m=14
